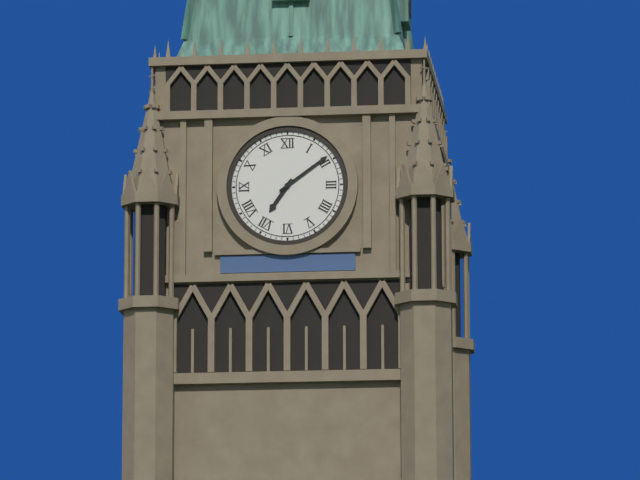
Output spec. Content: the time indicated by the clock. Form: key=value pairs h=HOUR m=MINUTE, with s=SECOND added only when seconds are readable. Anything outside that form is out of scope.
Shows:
h=7 m=9
